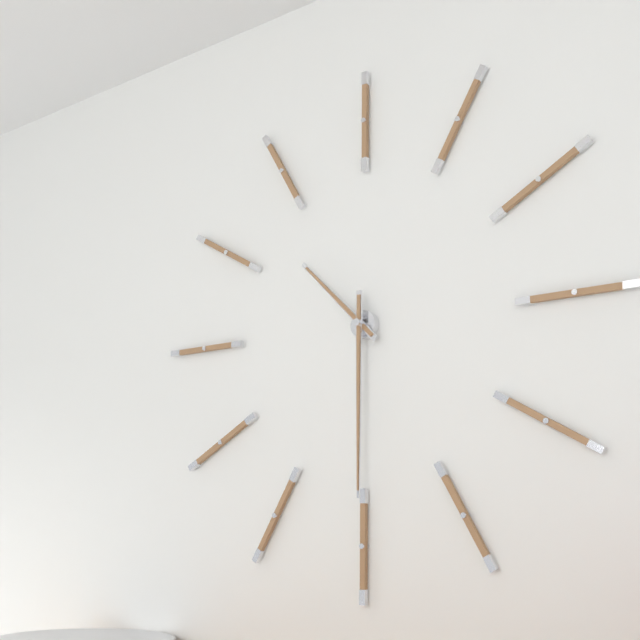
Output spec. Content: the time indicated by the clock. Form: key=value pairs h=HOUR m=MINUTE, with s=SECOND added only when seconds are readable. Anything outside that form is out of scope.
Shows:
h=10 m=30
